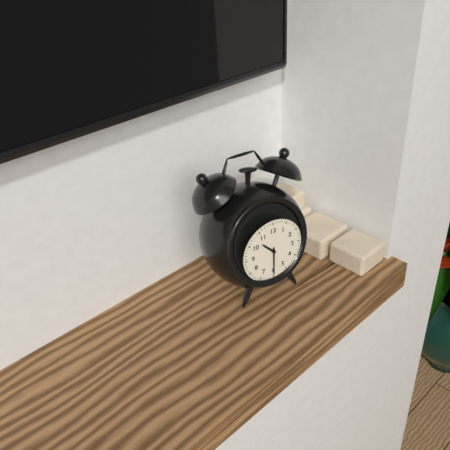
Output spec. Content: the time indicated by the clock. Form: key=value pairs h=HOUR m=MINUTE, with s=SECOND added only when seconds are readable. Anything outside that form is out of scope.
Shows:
h=10 m=30
